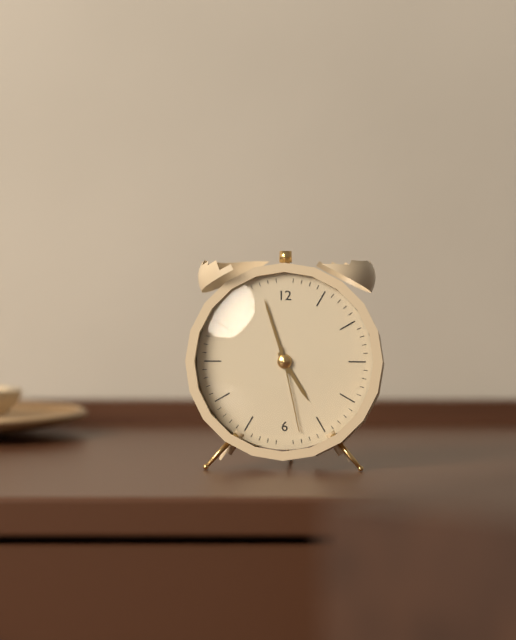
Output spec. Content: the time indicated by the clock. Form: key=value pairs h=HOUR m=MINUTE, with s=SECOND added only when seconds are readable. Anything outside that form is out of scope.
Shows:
h=4 m=57 s=28
